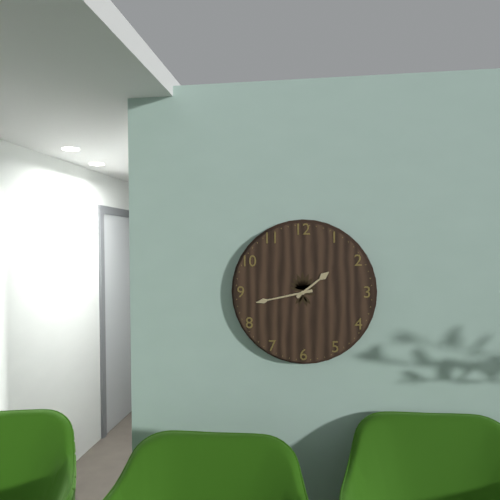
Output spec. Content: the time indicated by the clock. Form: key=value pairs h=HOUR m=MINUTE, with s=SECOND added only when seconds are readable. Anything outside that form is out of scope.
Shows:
h=1 m=43
